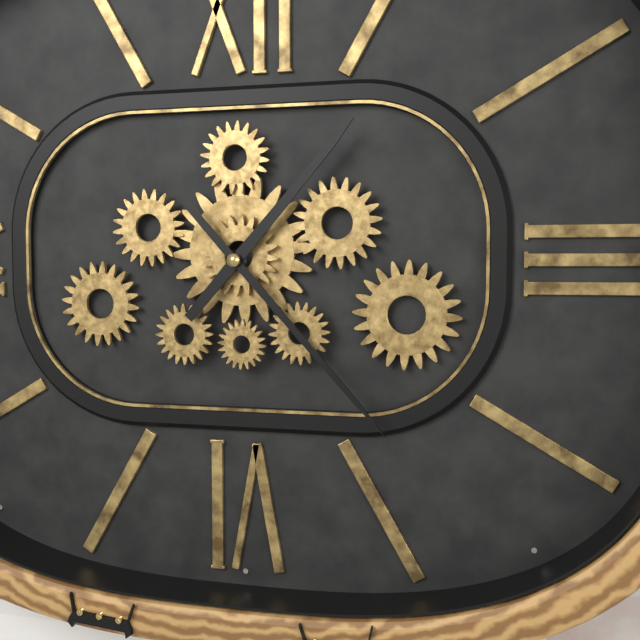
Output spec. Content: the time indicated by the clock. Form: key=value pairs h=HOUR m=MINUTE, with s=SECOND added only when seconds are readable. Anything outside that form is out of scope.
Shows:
h=1 m=23
